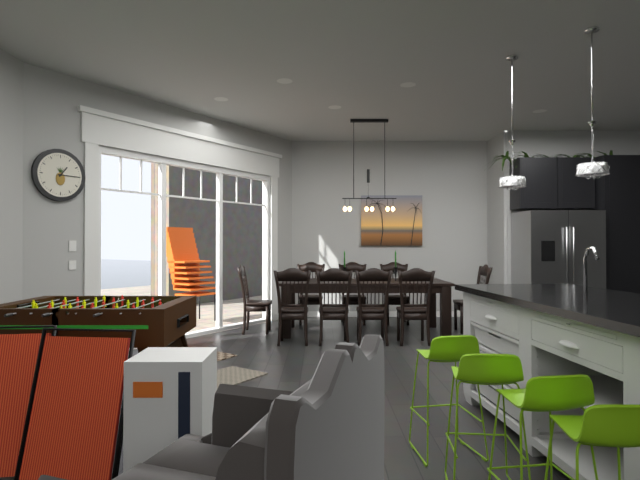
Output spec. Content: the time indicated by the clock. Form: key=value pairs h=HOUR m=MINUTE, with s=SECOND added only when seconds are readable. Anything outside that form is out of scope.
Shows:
h=1 m=15
